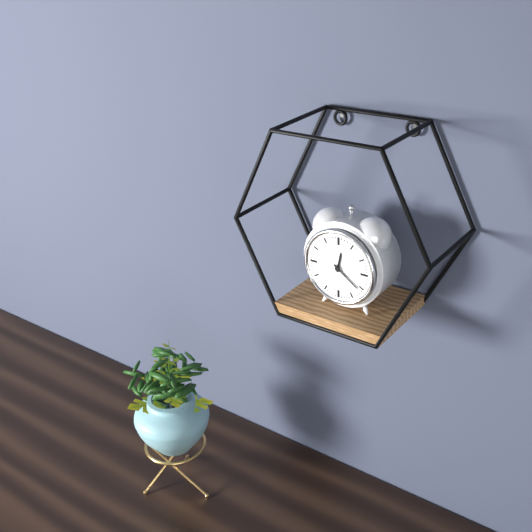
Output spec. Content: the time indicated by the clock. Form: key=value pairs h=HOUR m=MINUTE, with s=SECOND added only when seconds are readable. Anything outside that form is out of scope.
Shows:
h=12 m=21
